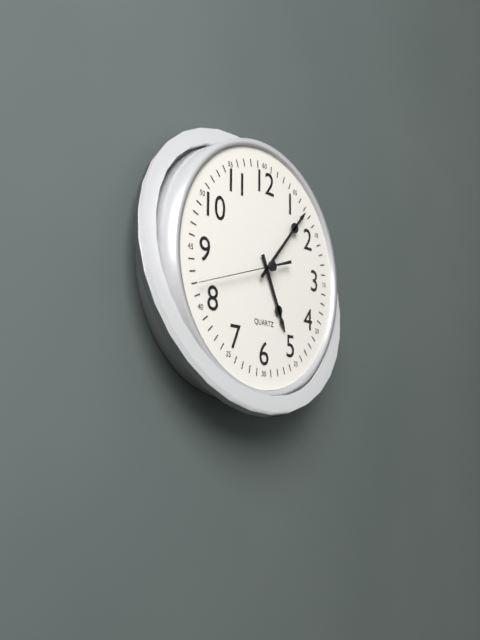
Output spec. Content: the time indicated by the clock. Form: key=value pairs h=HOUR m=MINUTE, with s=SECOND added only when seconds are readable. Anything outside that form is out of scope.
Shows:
h=5 m=7 s=42
